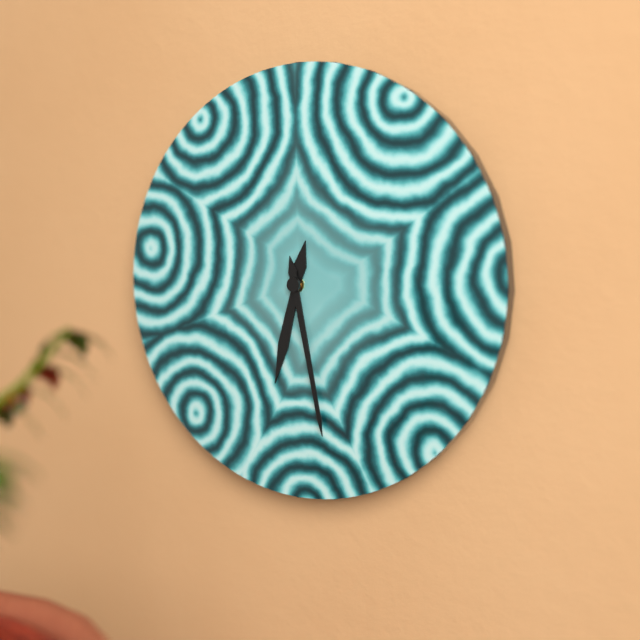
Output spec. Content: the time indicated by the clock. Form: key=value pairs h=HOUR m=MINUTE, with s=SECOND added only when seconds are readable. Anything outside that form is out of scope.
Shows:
h=6 m=28
